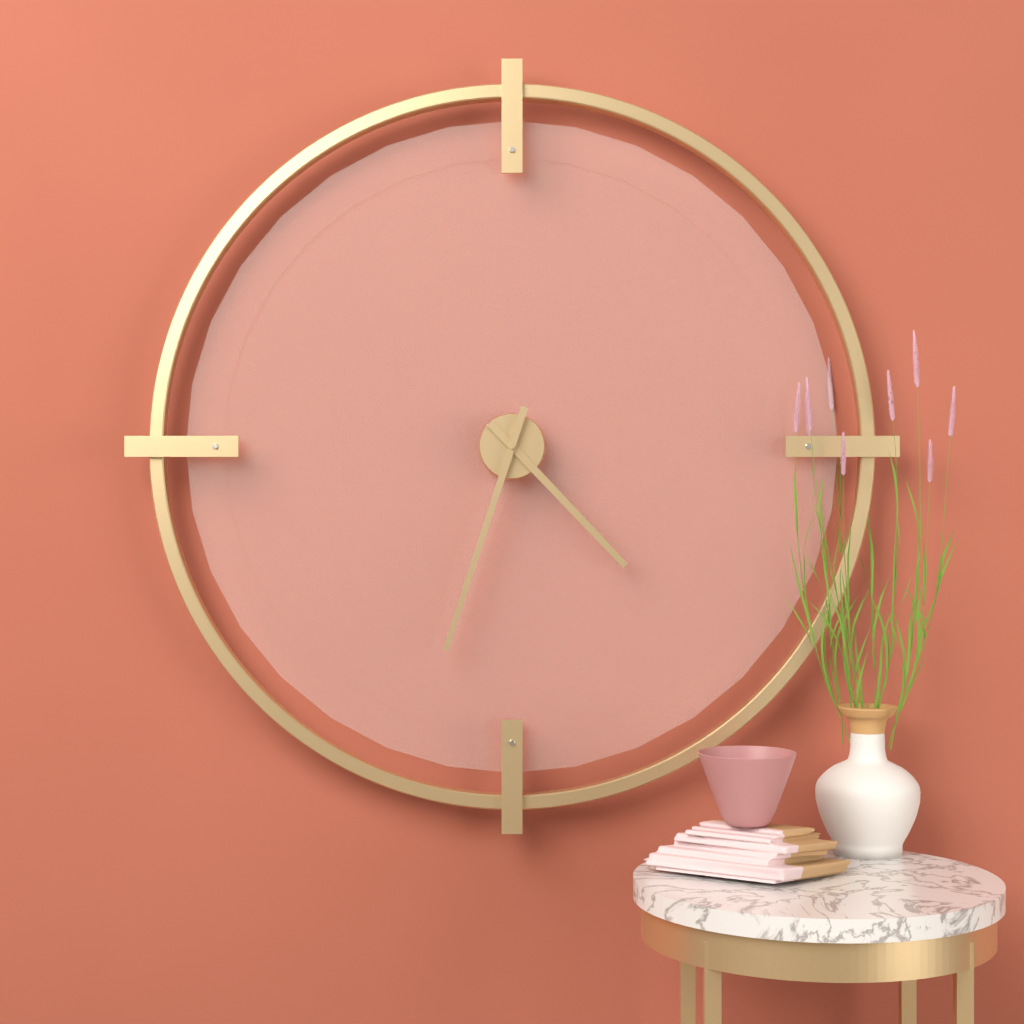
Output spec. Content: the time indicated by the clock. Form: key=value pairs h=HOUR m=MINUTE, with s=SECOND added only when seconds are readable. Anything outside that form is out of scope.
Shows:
h=4 m=33
